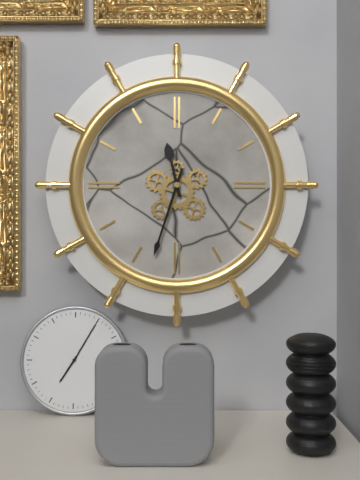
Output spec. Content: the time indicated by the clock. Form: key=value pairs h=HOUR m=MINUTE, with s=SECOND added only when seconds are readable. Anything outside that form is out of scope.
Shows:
h=11 m=33
